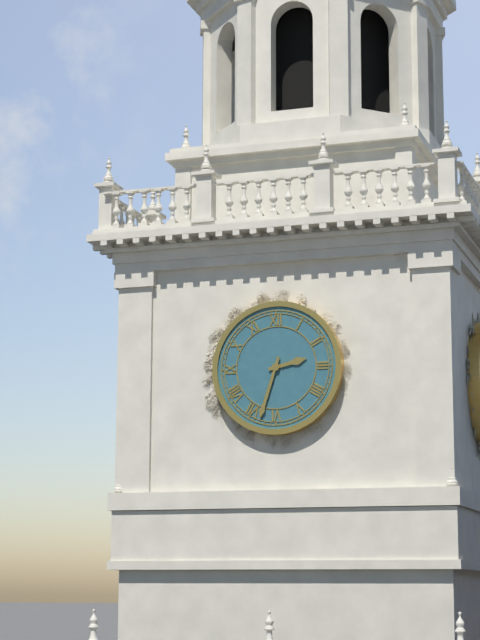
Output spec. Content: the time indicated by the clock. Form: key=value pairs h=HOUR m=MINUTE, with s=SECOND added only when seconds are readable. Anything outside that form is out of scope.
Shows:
h=2 m=33
